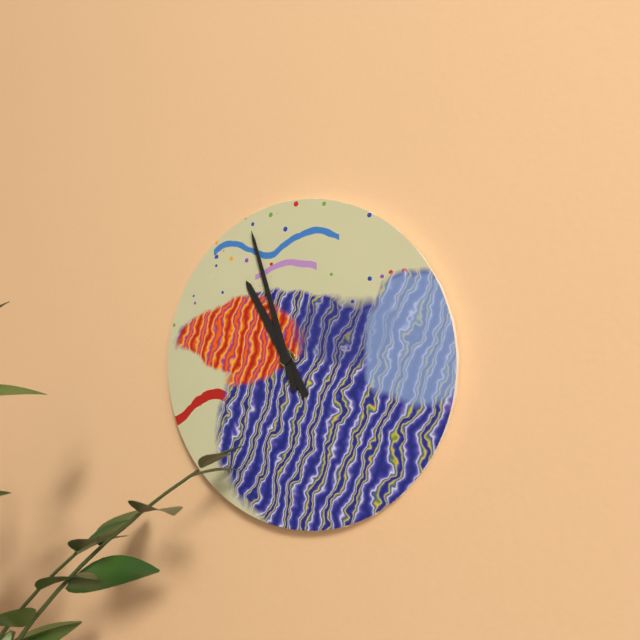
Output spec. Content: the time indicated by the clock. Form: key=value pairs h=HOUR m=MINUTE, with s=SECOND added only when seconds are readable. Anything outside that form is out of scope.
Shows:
h=10 m=57
